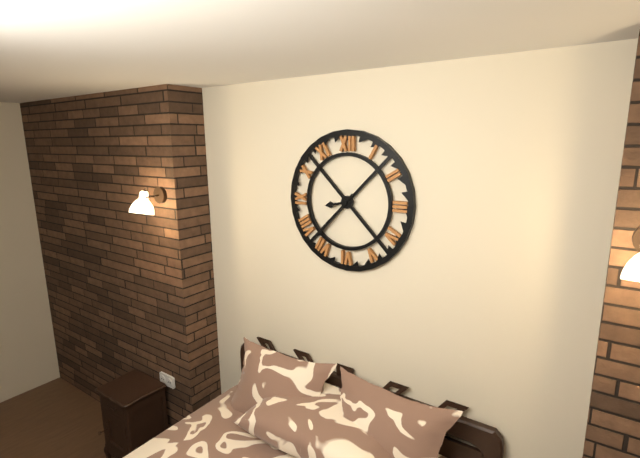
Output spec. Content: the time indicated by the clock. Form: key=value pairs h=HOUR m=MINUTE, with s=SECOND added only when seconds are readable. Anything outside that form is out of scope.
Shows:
h=8 m=37
